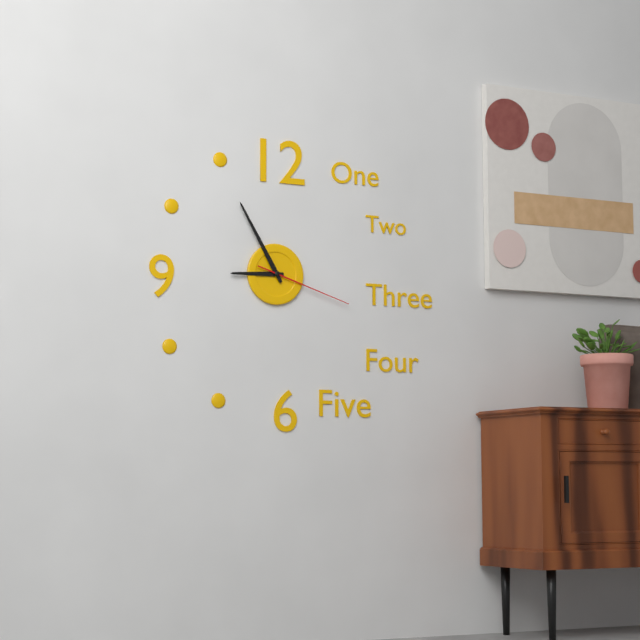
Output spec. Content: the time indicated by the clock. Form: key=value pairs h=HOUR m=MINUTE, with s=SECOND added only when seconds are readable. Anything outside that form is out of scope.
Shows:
h=8 m=55 s=18
